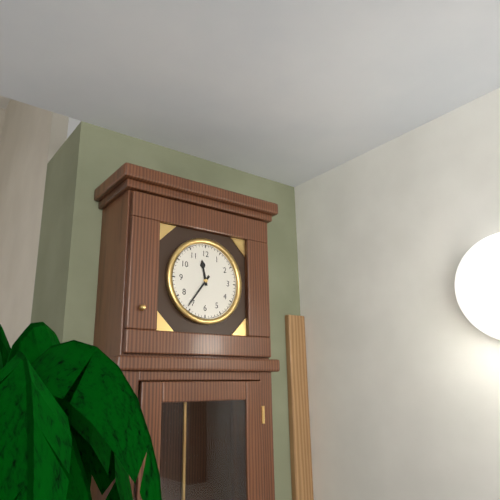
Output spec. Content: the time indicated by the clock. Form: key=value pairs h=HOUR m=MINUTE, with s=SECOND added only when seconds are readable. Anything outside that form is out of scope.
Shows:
h=11 m=36
